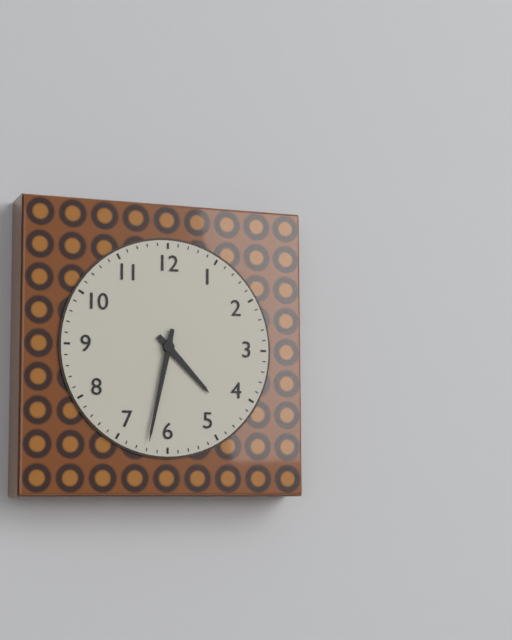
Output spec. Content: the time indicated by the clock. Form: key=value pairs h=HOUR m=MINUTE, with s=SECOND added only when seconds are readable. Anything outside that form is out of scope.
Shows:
h=4 m=32
